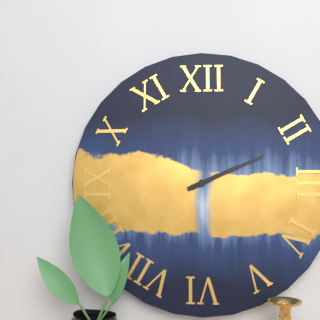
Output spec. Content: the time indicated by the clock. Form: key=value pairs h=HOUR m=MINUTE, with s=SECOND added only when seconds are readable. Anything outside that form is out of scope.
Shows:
h=2 m=11
